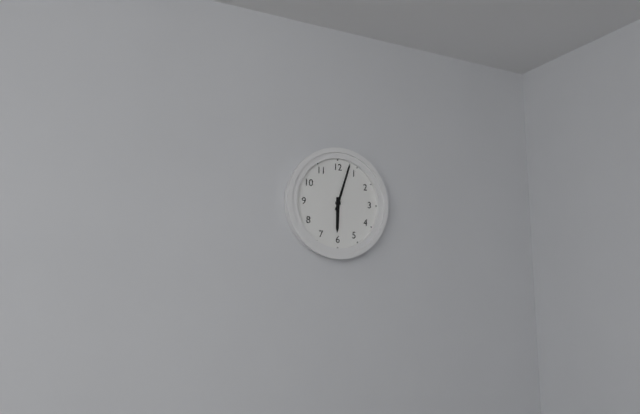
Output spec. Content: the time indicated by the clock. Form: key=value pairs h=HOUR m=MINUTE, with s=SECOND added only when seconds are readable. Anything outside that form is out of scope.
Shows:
h=6 m=3
